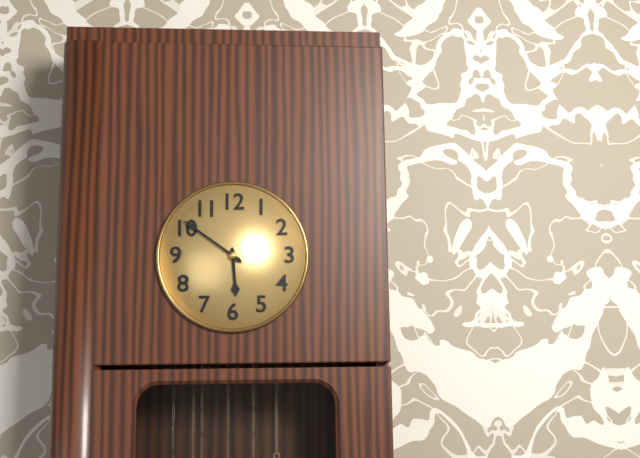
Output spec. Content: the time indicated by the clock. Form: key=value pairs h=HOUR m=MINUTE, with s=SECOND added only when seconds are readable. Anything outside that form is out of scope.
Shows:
h=5 m=51
